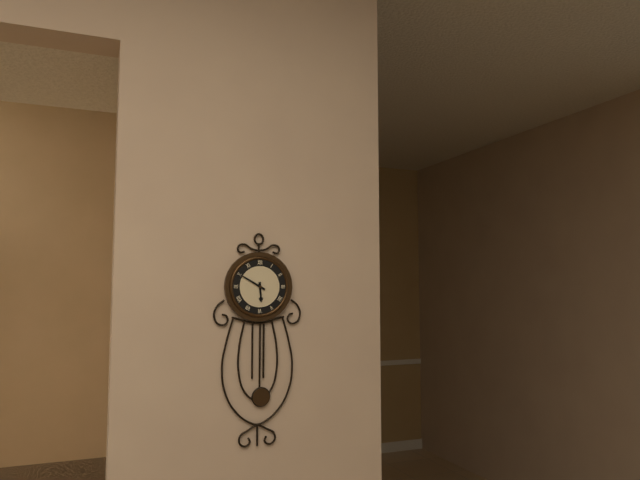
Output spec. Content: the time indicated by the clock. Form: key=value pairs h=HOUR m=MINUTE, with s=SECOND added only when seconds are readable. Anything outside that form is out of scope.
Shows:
h=5 m=50
